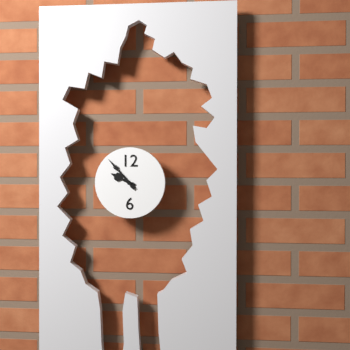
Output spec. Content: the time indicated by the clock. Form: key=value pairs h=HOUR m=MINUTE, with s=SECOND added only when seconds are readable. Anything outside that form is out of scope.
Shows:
h=9 m=53
